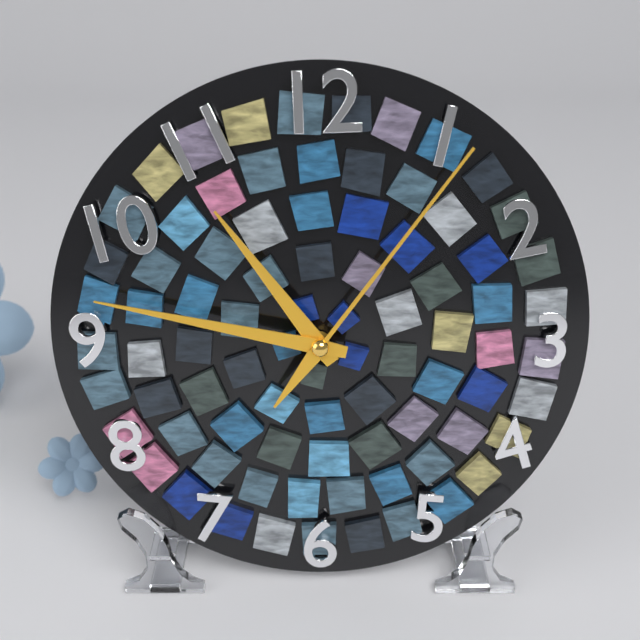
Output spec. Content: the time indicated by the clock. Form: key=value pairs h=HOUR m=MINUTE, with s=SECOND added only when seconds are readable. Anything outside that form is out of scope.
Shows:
h=10 m=47 s=6
